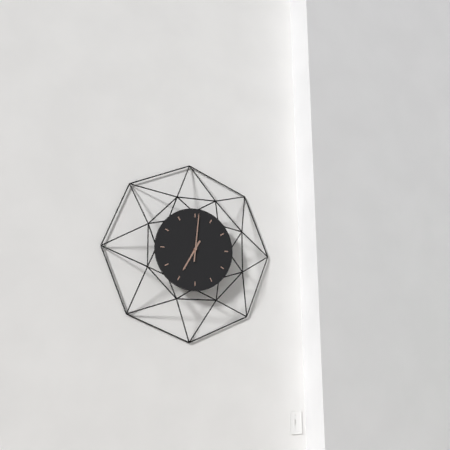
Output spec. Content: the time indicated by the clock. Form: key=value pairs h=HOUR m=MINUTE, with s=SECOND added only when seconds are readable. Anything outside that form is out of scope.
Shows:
h=7 m=1
